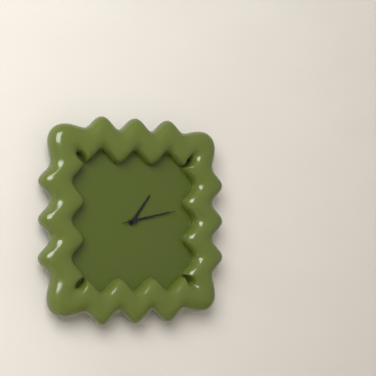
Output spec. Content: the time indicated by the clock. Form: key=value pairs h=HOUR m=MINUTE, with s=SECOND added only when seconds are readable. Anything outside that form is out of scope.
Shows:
h=1 m=13 s=13
